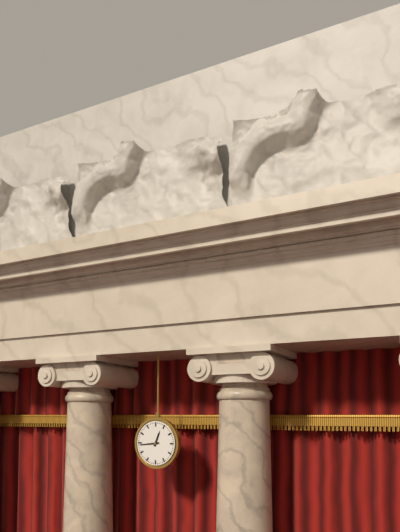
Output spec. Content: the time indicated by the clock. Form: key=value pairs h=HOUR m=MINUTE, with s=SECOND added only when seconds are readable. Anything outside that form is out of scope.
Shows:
h=12 m=44
